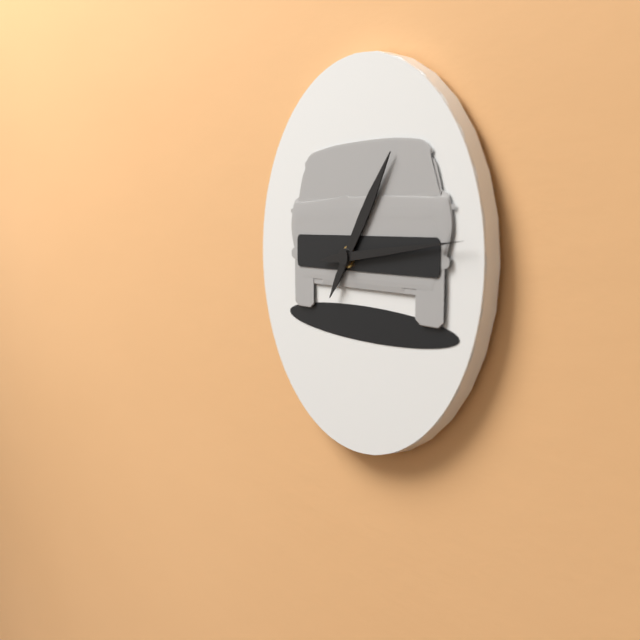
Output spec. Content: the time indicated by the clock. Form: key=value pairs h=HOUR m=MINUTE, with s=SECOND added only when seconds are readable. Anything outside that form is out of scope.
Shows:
h=1 m=14
